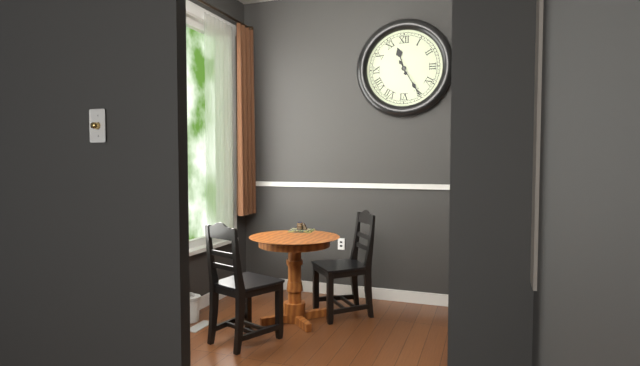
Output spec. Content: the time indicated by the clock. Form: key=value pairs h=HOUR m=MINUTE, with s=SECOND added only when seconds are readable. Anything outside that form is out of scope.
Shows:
h=11 m=25
